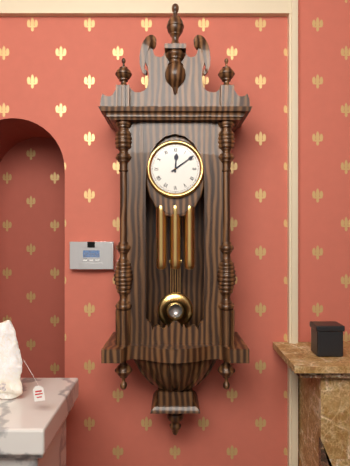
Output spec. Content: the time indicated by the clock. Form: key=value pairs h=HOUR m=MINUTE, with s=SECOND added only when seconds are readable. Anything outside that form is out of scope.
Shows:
h=12 m=9
